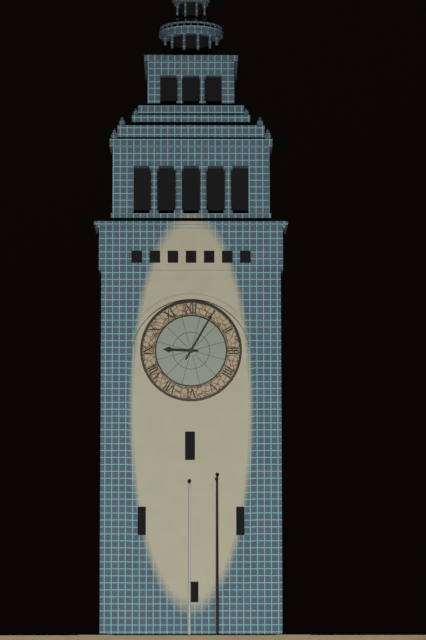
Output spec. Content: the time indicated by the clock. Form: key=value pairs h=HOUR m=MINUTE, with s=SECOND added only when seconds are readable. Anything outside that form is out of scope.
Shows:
h=9 m=5
